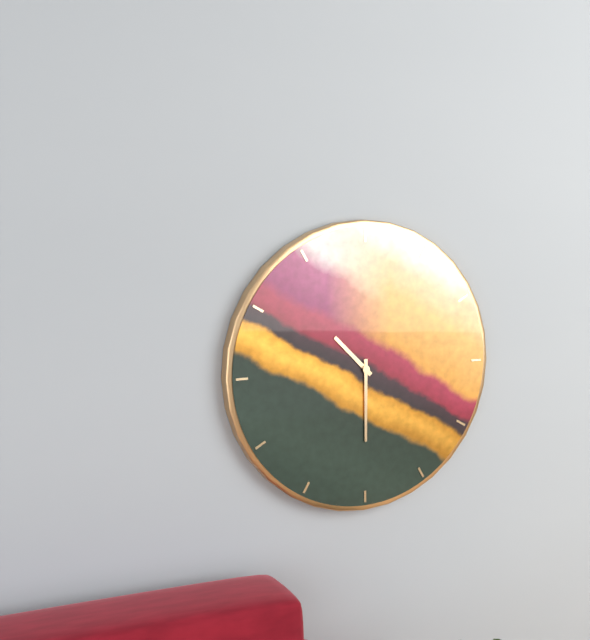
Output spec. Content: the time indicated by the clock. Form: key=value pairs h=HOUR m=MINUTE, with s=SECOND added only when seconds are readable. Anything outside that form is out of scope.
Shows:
h=10 m=30
